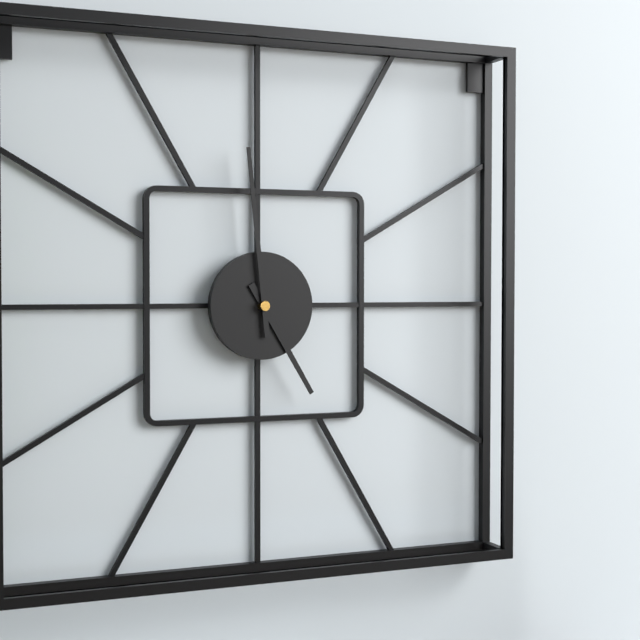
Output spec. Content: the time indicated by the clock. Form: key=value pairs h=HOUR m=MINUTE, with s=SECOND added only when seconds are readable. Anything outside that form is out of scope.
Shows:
h=4 m=59
